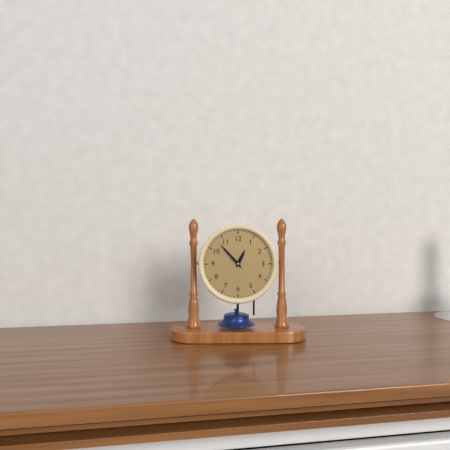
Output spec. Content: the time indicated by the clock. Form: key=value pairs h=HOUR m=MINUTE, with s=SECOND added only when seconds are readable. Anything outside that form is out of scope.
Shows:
h=12 m=53
